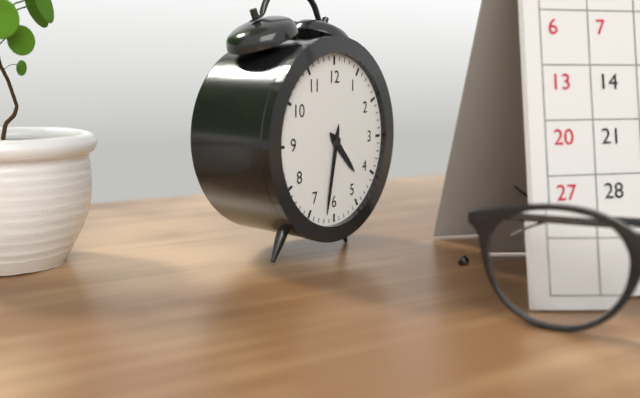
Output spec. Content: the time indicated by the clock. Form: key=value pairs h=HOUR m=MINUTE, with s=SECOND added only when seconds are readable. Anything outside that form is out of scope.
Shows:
h=4 m=32
